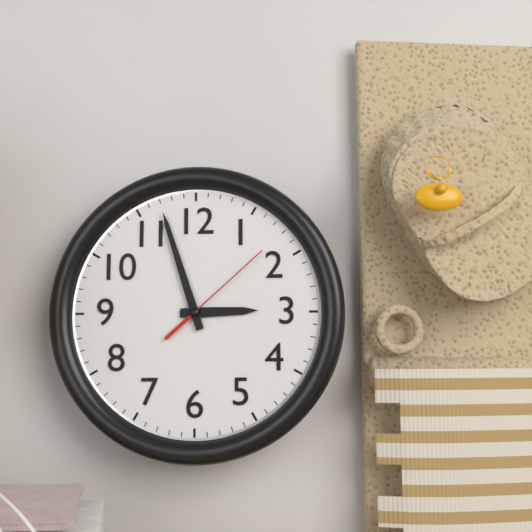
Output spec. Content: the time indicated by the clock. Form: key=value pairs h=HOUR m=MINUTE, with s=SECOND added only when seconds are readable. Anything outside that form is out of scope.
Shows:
h=2 m=57 s=8
